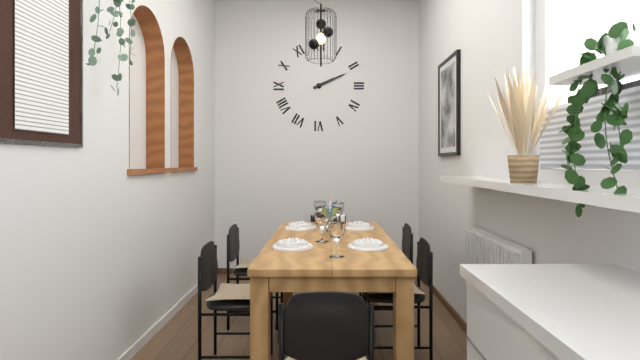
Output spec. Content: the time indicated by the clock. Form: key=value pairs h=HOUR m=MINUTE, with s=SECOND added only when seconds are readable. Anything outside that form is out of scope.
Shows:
h=2 m=11
